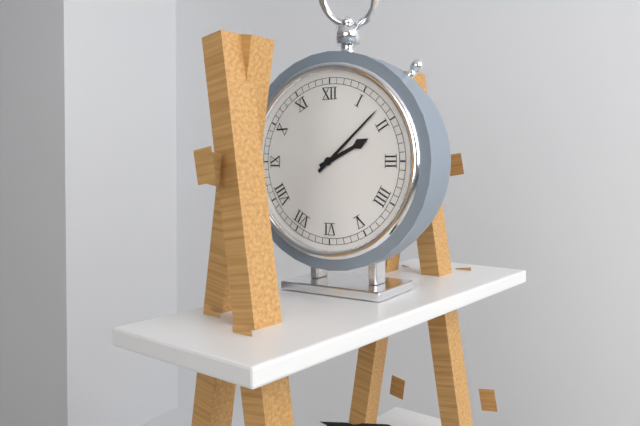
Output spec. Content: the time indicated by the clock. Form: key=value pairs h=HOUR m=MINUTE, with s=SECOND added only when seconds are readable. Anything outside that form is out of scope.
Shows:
h=2 m=8
